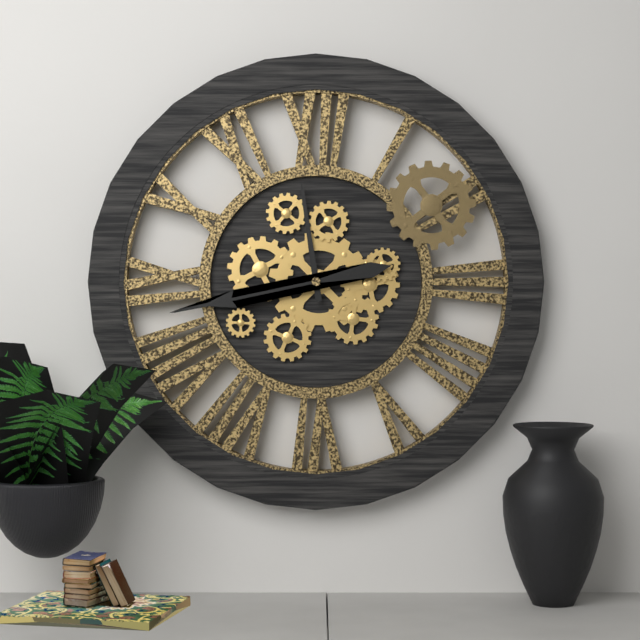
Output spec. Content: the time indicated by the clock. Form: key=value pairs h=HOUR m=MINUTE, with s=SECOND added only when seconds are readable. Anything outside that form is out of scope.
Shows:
h=11 m=43
